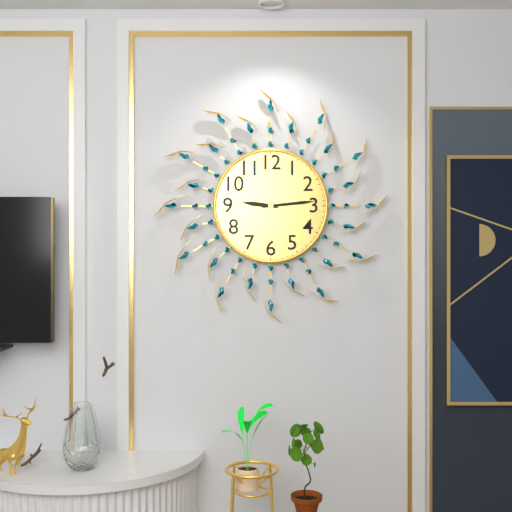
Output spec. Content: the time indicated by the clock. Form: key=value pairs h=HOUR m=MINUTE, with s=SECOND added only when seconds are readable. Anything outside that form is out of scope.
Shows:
h=9 m=14
